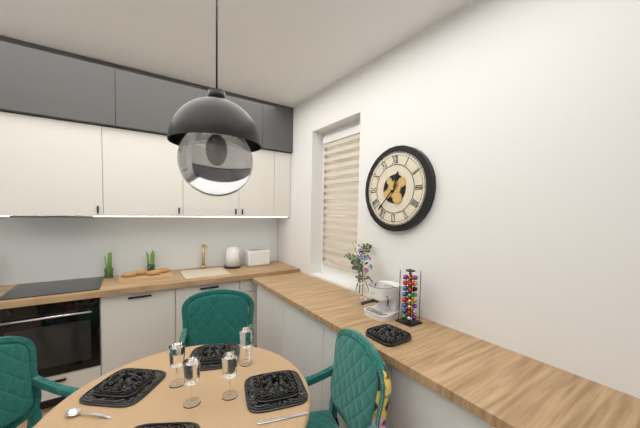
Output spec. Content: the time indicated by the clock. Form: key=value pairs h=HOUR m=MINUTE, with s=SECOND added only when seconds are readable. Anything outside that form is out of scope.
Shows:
h=12 m=37
